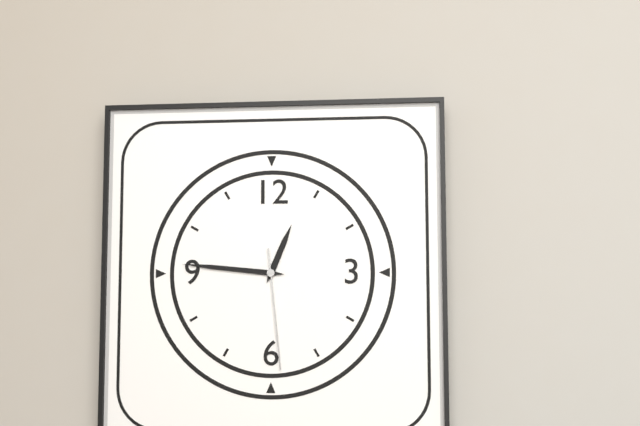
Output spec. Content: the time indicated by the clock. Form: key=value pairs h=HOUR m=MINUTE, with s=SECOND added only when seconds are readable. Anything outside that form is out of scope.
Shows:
h=12 m=46 s=29
